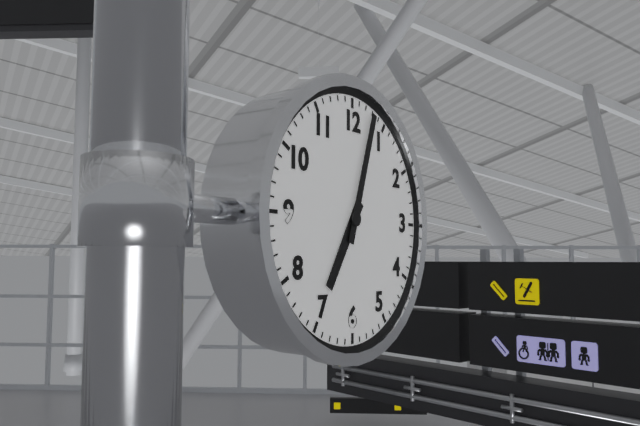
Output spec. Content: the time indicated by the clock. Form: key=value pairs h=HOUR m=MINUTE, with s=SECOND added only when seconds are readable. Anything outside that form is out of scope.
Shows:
h=7 m=3
